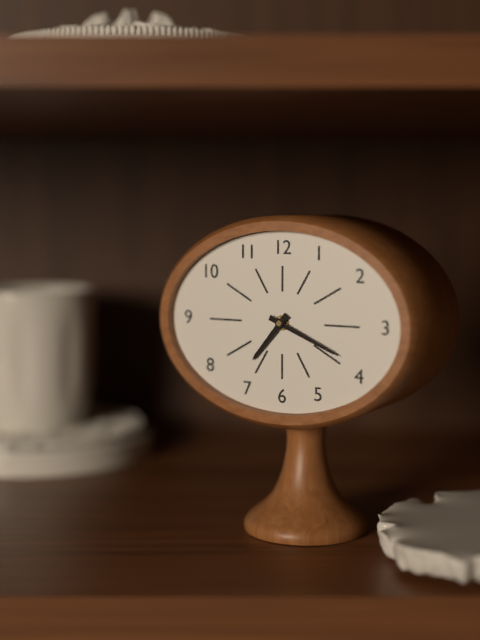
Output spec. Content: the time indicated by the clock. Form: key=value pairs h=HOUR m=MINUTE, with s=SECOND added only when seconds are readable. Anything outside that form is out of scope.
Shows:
h=7 m=19
